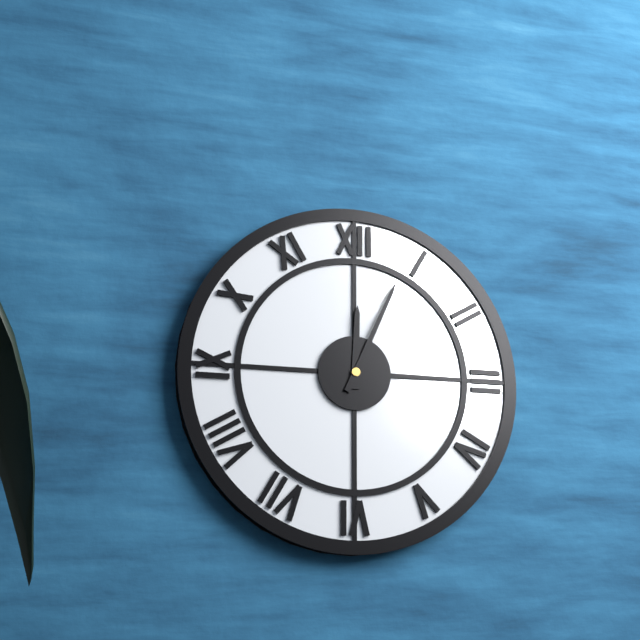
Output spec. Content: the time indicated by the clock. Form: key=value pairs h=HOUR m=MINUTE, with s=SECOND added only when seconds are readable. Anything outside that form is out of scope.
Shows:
h=12 m=4
